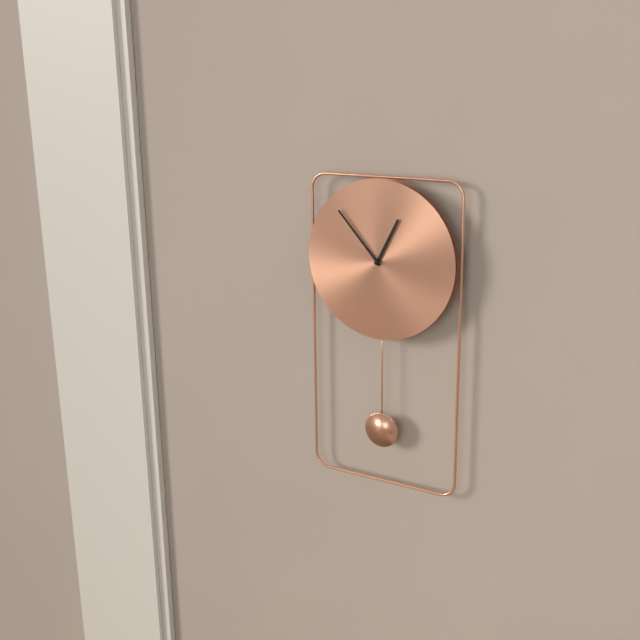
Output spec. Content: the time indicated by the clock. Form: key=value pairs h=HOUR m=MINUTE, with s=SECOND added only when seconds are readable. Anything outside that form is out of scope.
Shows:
h=12 m=53
